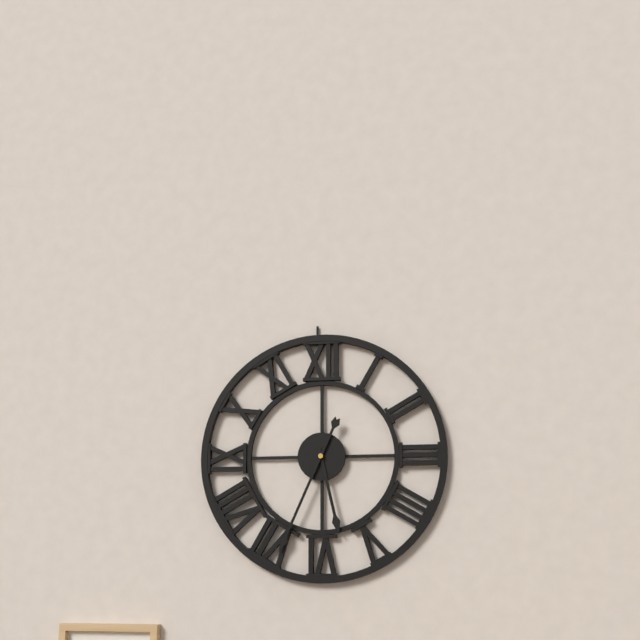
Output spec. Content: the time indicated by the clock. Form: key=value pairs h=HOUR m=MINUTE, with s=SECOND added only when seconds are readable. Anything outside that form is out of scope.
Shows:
h=5 m=34
